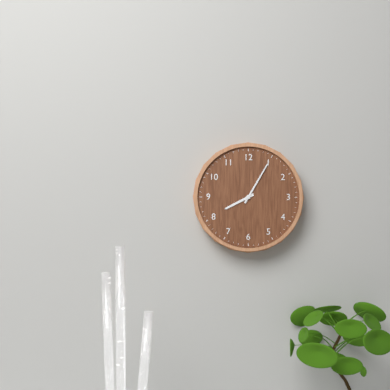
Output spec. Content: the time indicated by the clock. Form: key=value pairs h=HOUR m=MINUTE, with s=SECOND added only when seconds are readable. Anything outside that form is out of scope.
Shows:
h=8 m=5
